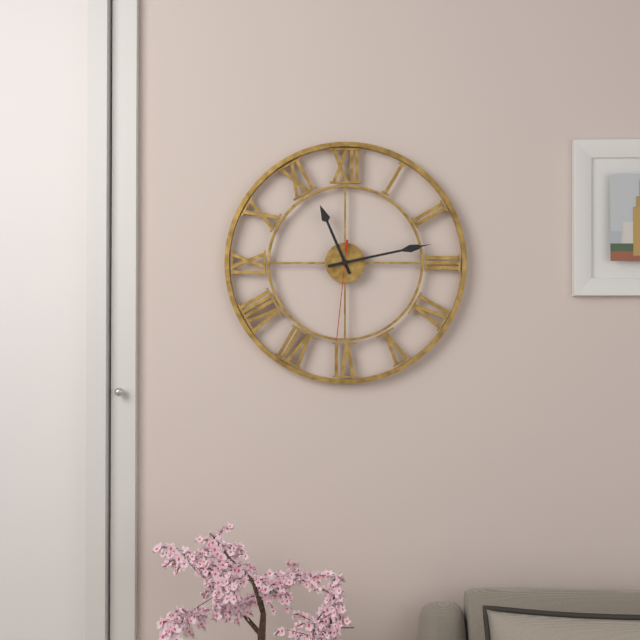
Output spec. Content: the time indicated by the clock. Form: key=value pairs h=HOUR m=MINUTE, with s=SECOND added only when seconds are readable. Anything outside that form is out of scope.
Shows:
h=11 m=13 s=31
